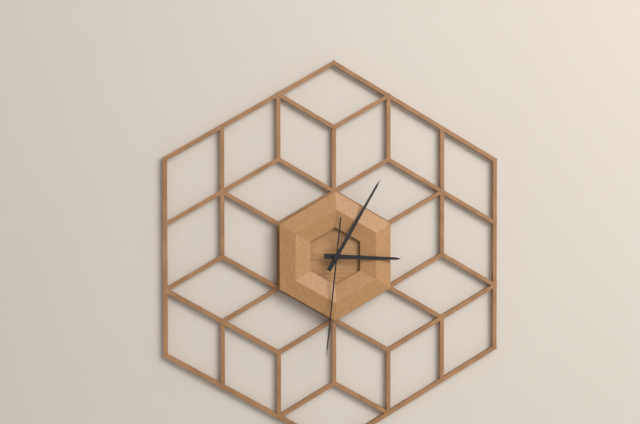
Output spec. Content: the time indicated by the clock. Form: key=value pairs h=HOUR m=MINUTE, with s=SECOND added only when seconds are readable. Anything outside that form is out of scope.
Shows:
h=3 m=5 s=31
